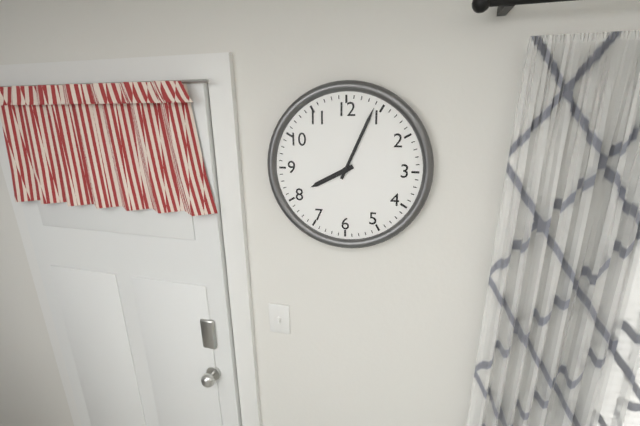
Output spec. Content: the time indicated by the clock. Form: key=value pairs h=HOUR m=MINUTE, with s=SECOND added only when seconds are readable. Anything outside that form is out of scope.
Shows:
h=8 m=4
